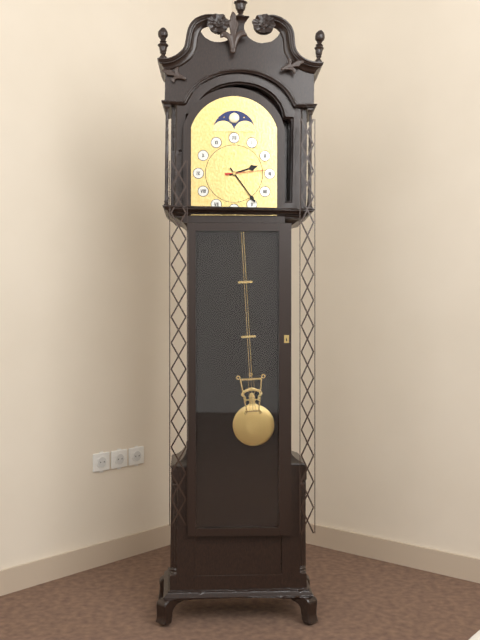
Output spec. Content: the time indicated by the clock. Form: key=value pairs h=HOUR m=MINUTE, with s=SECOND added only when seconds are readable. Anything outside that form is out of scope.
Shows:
h=2 m=24
